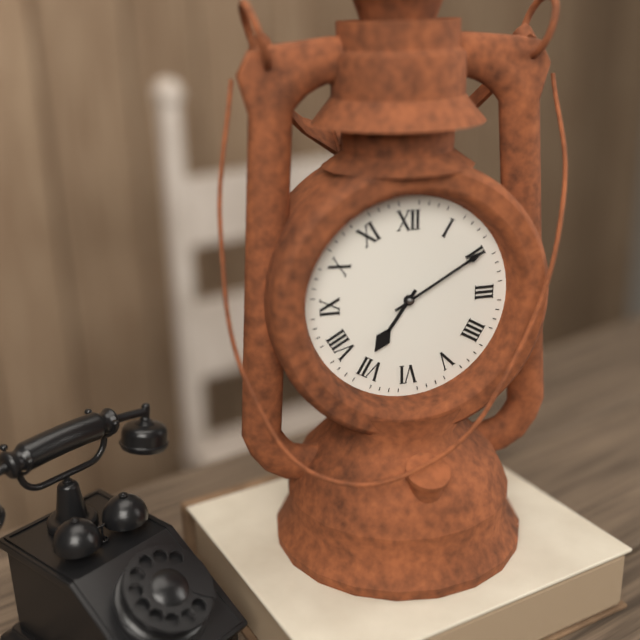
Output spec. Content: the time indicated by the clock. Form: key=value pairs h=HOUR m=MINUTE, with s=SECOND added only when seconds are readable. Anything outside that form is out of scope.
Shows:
h=7 m=10
